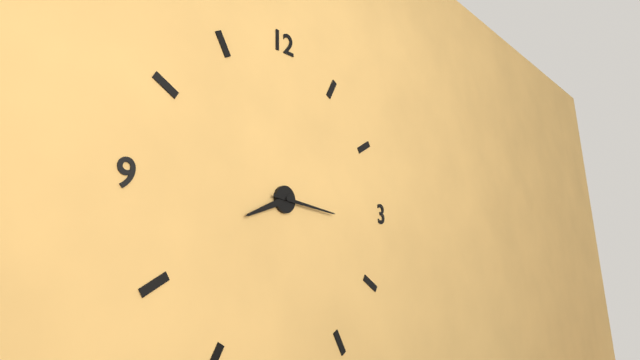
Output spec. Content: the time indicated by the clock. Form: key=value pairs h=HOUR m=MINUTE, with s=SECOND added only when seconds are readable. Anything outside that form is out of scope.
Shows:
h=8 m=16
